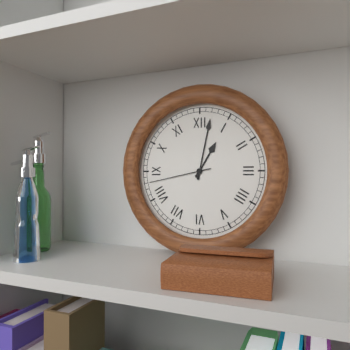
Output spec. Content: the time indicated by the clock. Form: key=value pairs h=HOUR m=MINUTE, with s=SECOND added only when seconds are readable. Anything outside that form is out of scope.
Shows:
h=1 m=2 s=43
